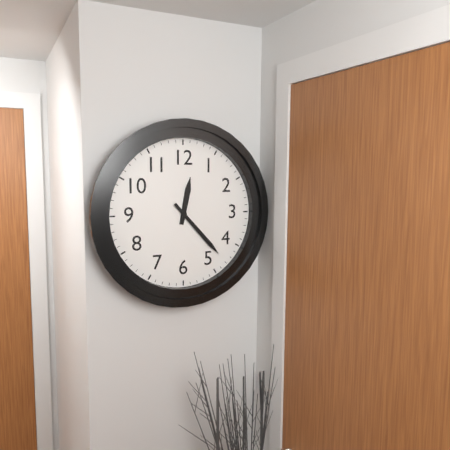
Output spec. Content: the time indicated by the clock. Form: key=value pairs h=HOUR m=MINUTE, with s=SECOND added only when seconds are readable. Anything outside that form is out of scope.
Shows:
h=12 m=23
